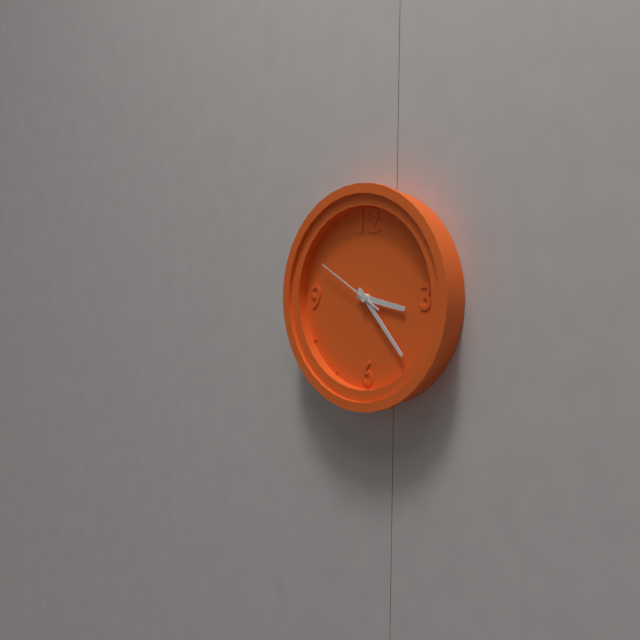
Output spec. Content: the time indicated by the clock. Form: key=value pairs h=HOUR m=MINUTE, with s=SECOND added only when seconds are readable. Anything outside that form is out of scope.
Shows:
h=3 m=23 s=50
